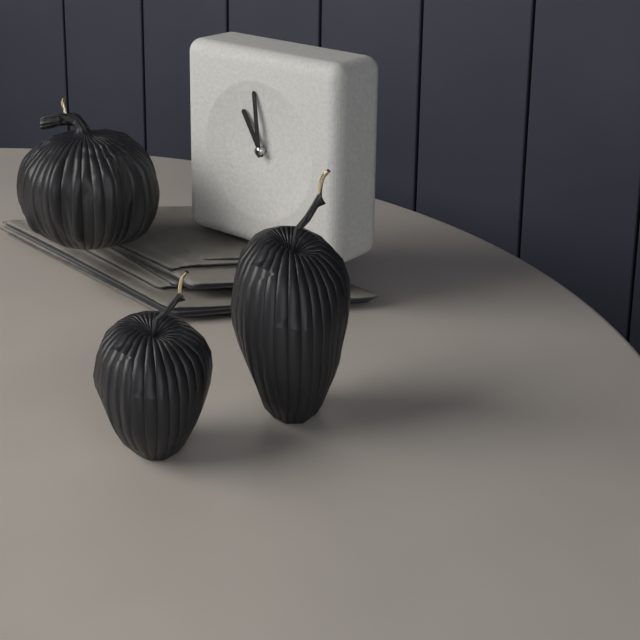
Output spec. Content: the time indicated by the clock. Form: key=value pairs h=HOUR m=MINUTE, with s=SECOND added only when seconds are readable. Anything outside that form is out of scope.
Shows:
h=10 m=59
